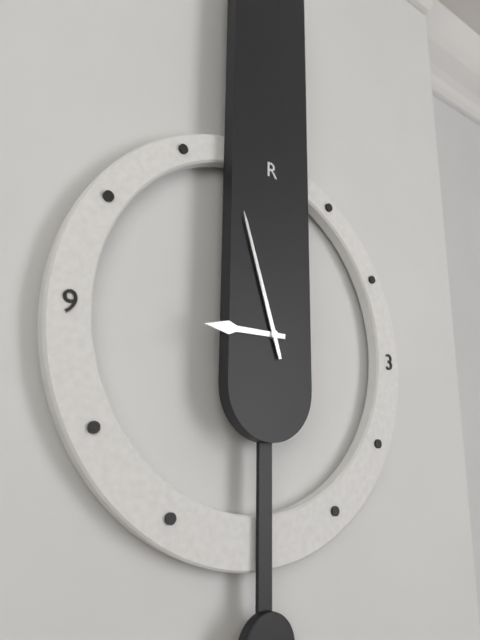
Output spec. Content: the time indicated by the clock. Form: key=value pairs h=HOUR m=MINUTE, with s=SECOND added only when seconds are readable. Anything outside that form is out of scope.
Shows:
h=8 m=57
